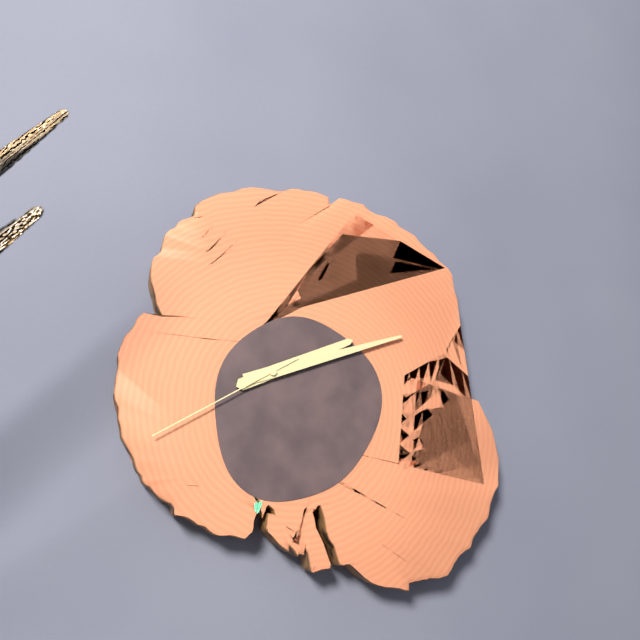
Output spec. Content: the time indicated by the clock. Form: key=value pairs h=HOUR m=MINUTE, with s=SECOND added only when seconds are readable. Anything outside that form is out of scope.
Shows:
h=2 m=12 s=40
